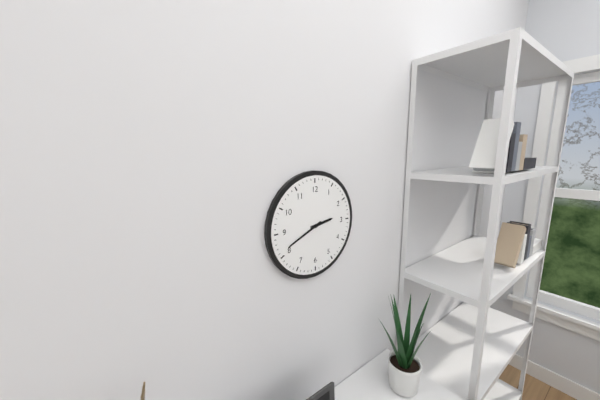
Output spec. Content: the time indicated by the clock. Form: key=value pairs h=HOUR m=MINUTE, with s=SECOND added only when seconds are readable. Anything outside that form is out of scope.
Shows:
h=2 m=41
